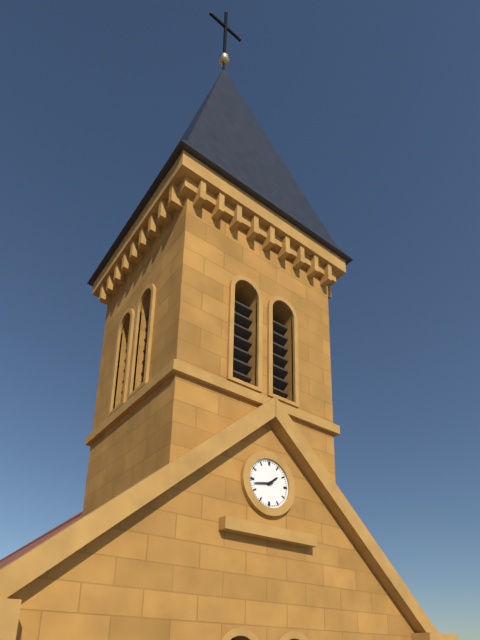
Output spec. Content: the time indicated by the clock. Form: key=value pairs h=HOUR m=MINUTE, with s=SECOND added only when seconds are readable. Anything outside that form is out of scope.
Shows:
h=1 m=43
